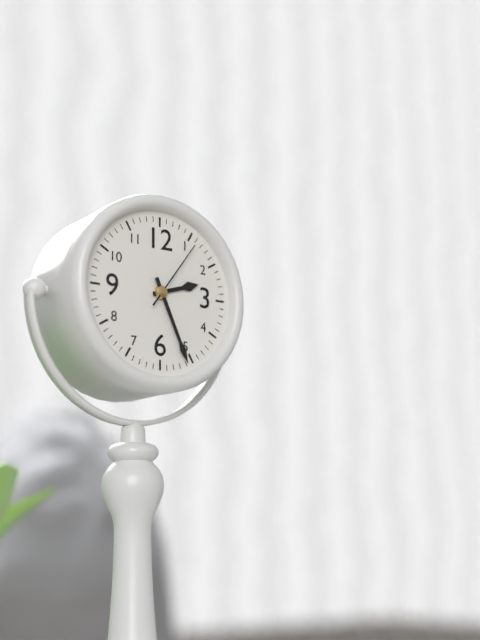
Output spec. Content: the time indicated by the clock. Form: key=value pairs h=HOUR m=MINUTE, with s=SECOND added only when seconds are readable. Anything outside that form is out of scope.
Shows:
h=2 m=26 s=6
